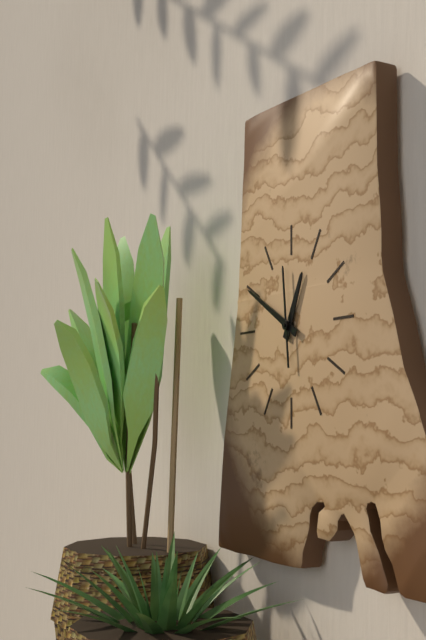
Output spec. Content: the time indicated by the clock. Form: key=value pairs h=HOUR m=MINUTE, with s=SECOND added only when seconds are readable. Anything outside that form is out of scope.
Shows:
h=12 m=50 s=59
